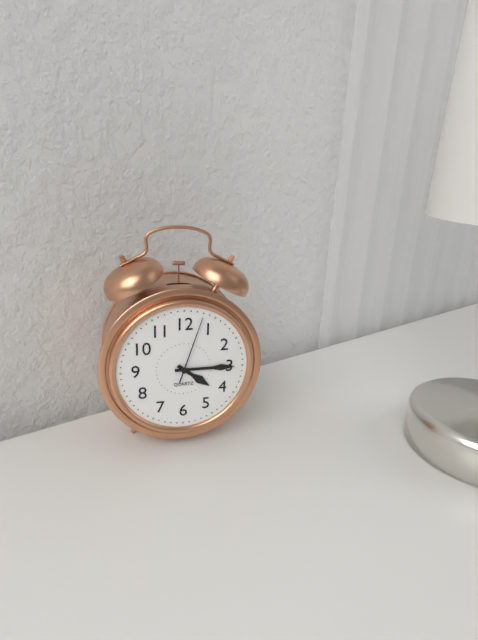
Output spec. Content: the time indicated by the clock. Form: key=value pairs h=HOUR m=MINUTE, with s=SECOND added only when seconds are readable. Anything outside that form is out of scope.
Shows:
h=4 m=15 s=3
